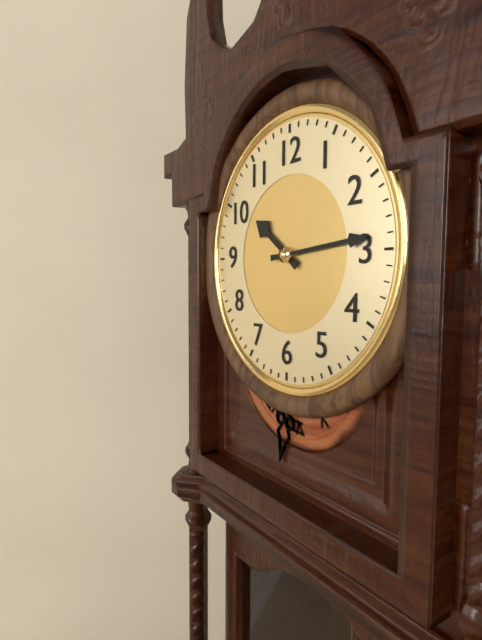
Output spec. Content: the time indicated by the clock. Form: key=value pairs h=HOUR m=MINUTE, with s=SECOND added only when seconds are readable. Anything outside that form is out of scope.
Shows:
h=10 m=14
